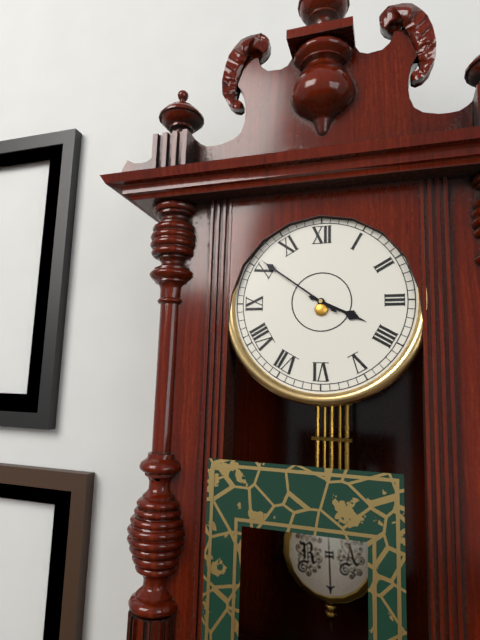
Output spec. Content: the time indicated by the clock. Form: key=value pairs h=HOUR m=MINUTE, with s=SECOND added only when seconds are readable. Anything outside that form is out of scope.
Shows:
h=3 m=51
